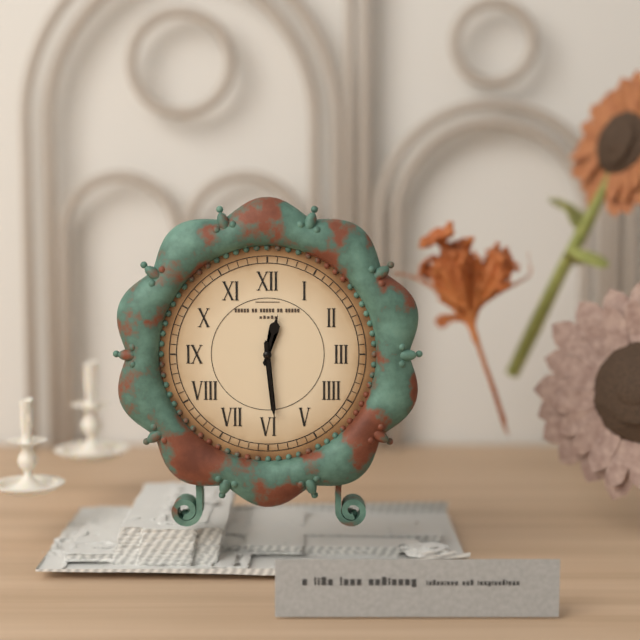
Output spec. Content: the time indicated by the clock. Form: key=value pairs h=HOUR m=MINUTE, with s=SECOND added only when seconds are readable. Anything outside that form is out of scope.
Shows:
h=12 m=29
